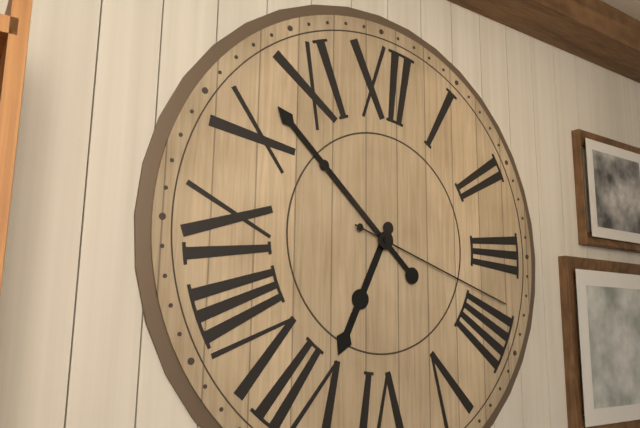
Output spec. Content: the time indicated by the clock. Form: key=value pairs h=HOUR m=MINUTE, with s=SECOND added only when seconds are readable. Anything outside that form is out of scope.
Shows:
h=6 m=52 s=18
